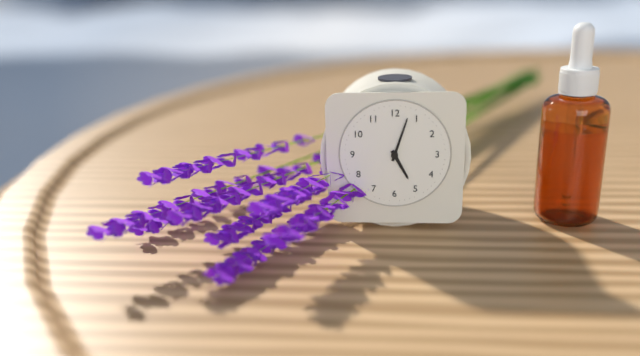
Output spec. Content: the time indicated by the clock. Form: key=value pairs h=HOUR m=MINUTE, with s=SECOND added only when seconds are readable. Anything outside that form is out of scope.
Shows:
h=5 m=3
